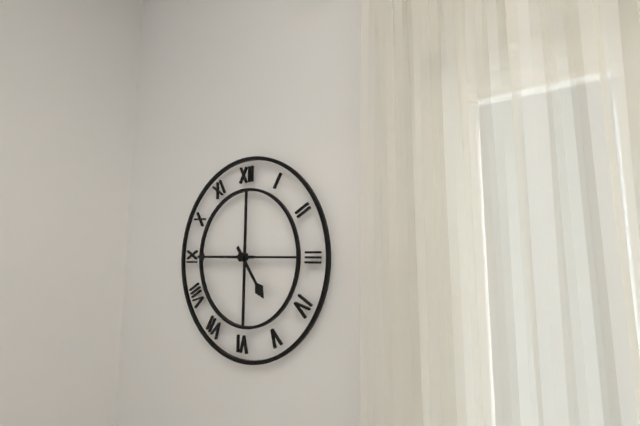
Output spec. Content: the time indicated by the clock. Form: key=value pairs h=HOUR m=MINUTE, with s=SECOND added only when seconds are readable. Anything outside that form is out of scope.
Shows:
h=4 m=45
